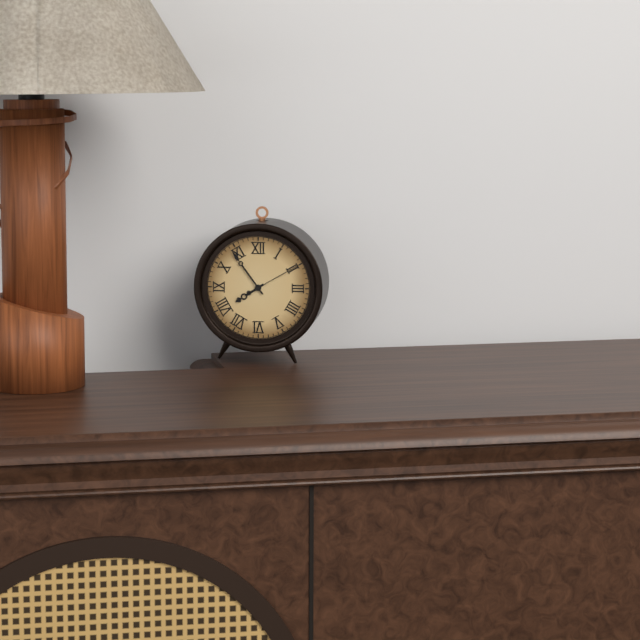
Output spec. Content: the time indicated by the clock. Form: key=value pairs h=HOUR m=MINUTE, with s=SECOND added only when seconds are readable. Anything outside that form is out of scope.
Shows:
h=7 m=54 s=10
